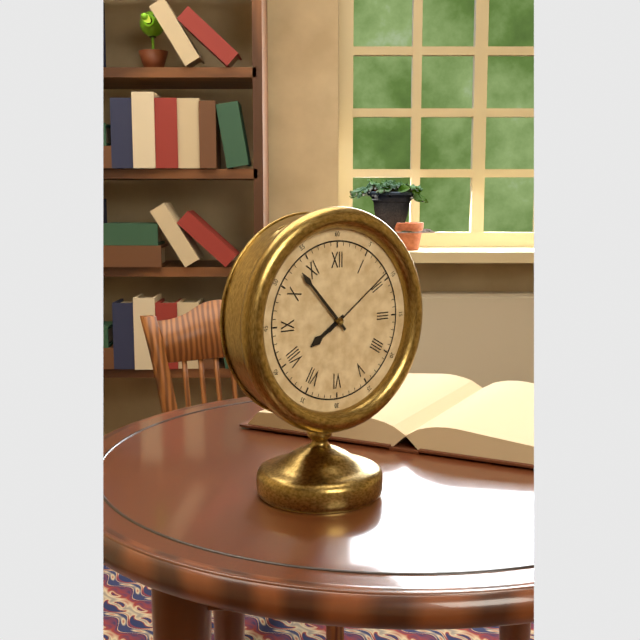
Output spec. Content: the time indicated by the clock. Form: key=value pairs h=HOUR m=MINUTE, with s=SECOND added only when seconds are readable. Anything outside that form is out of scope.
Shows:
h=7 m=53 s=9
